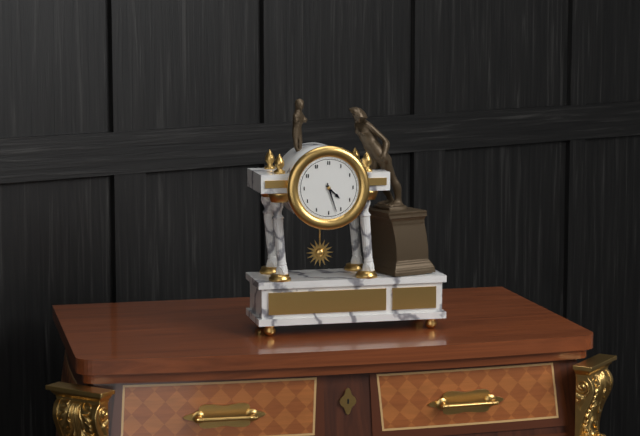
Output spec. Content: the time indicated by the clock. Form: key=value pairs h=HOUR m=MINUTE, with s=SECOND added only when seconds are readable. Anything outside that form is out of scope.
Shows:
h=4 m=27
